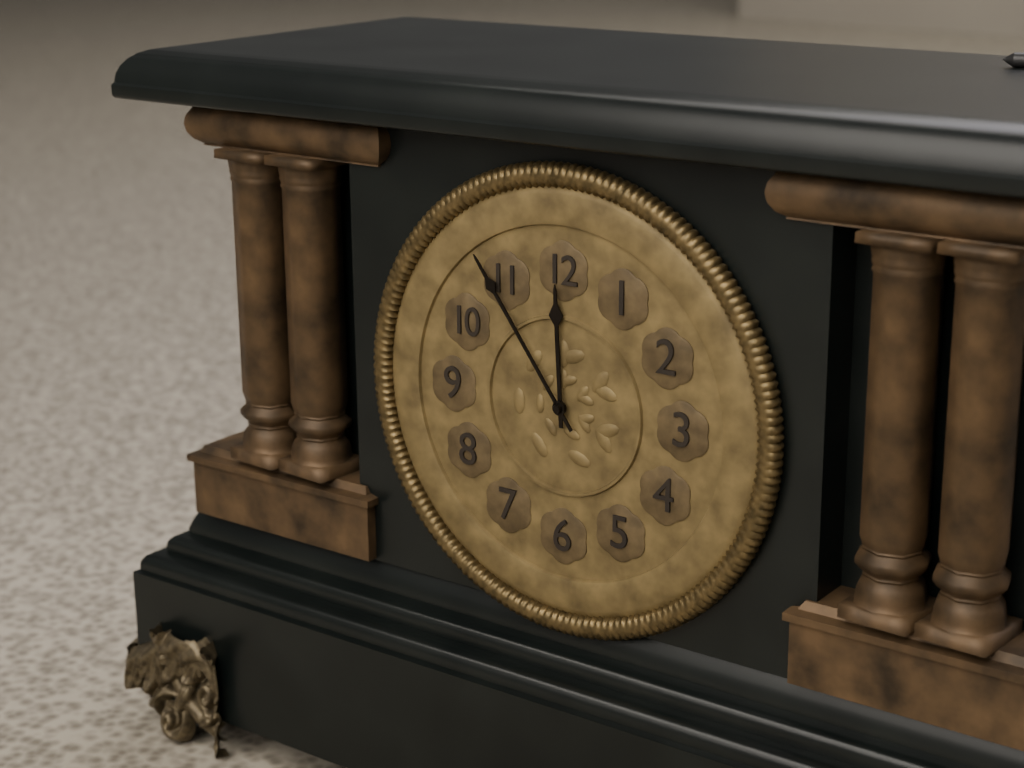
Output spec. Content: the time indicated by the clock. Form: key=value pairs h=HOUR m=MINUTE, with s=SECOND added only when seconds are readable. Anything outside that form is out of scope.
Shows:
h=11 m=54
